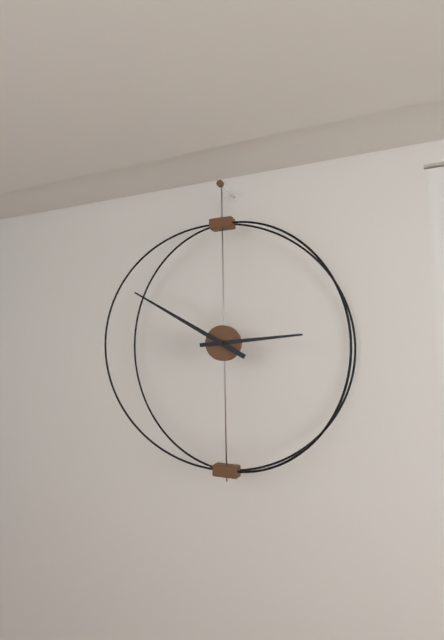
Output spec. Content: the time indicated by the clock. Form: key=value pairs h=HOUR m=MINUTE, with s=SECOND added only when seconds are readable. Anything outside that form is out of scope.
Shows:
h=2 m=50
